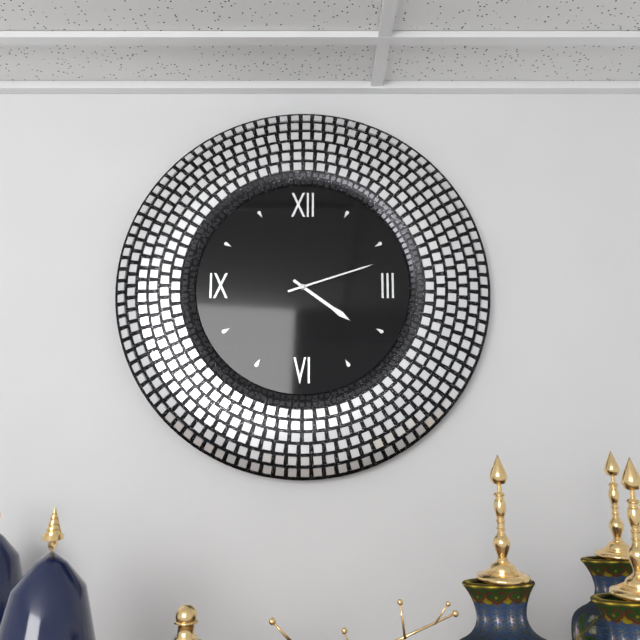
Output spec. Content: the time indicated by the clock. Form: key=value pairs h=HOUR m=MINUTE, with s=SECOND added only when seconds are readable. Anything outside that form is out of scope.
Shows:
h=4 m=12
